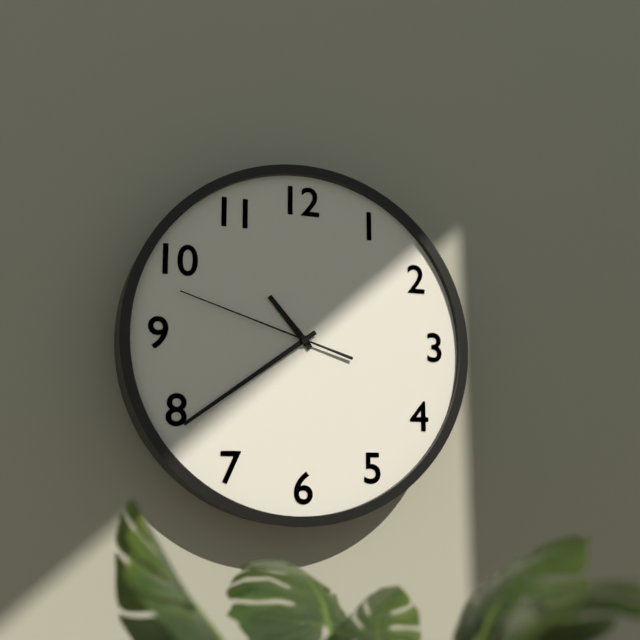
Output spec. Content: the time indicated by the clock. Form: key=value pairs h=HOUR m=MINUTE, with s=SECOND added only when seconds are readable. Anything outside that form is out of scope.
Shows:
h=10 m=39 s=48
